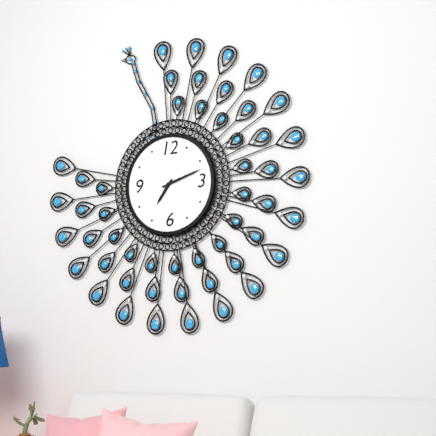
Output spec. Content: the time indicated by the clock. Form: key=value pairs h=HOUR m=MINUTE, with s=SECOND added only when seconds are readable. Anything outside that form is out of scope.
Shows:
h=7 m=12
